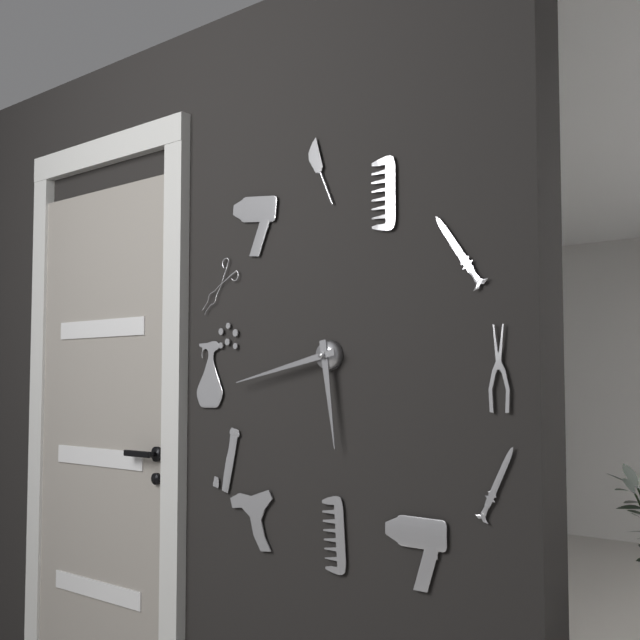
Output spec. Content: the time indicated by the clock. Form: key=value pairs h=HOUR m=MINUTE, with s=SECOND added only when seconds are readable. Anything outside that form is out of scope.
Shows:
h=5 m=43
